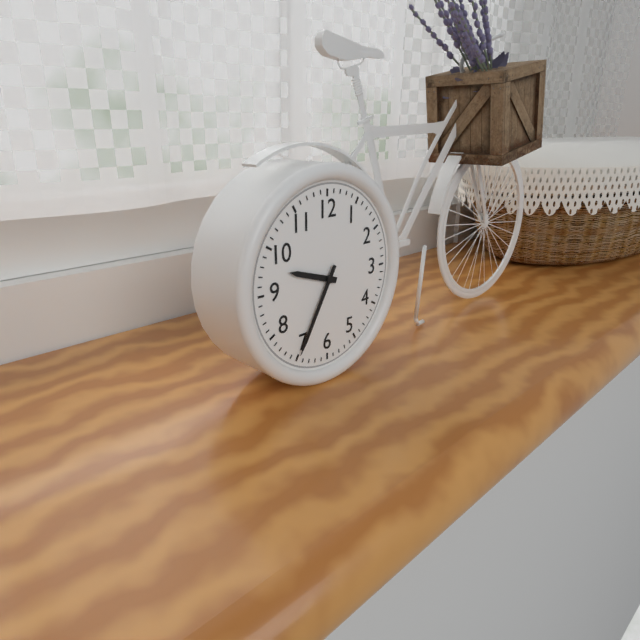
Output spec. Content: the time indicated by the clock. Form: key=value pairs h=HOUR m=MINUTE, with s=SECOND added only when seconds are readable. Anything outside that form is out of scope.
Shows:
h=9 m=35
